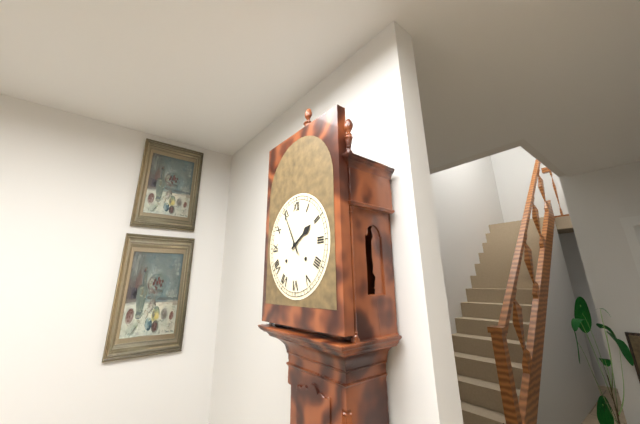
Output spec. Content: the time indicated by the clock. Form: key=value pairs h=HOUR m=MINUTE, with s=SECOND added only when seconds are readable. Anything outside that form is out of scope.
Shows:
h=1 m=55
